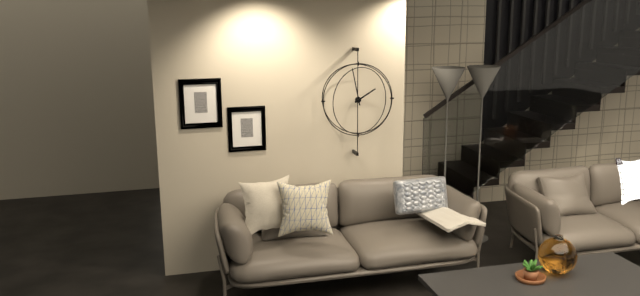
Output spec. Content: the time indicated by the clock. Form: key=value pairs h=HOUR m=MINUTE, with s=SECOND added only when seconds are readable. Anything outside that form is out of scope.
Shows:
h=1 m=58
